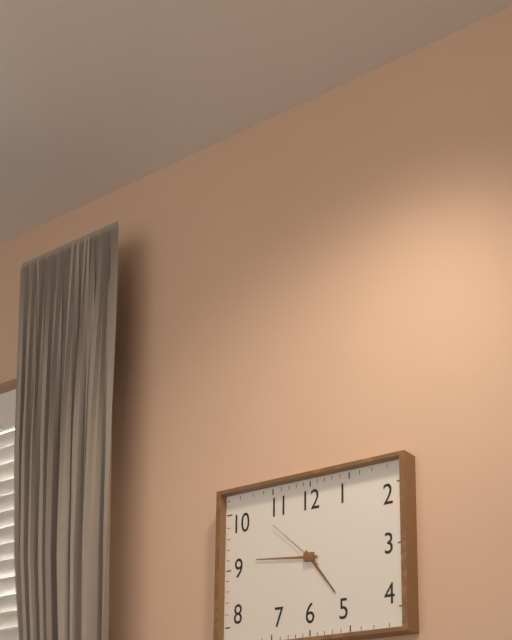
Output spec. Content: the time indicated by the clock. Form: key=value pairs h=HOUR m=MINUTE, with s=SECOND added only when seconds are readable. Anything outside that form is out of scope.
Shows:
h=4 m=46 s=52
